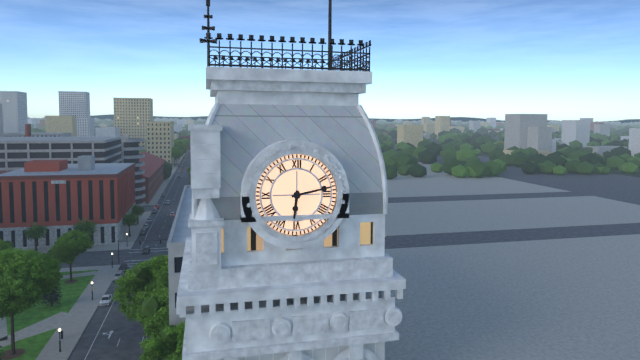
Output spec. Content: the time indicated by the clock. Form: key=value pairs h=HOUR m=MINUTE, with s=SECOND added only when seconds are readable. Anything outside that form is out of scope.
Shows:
h=6 m=13
